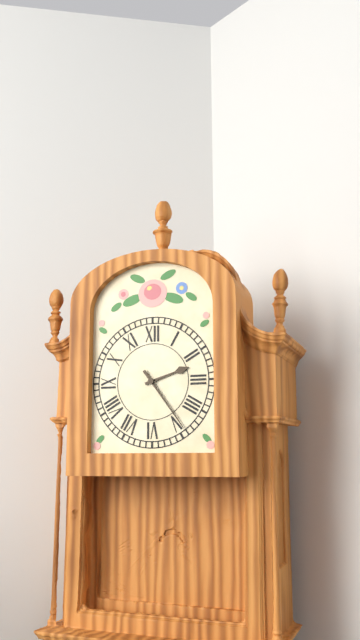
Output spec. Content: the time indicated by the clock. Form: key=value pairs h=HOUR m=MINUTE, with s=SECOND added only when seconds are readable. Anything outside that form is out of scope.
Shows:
h=2 m=24
